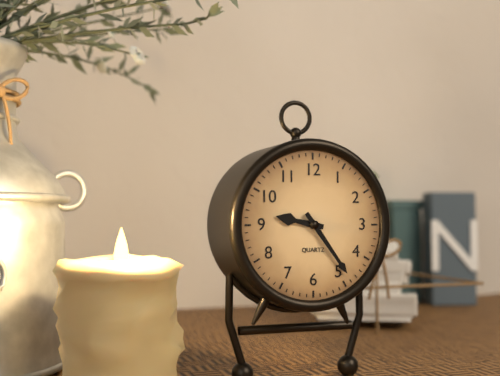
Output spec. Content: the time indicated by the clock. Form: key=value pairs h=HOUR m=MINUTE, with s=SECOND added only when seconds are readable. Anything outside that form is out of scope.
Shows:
h=9 m=24
